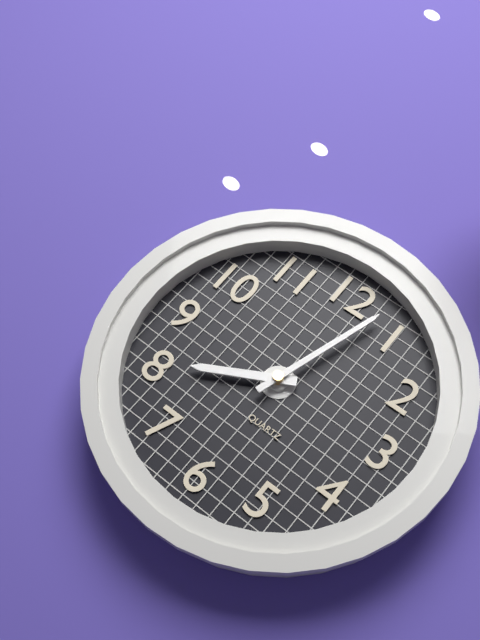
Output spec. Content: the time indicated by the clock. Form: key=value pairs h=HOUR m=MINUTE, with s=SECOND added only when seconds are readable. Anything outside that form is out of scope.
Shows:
h=8 m=3
